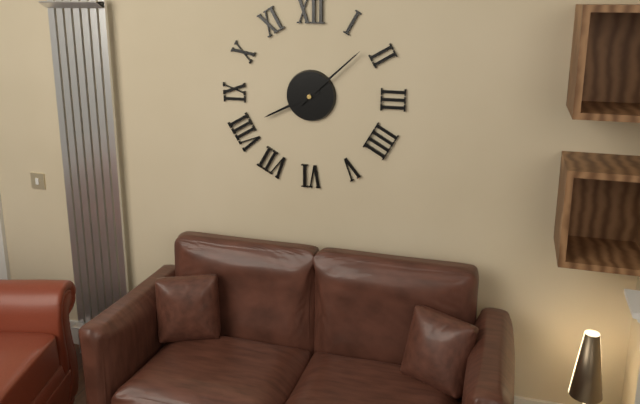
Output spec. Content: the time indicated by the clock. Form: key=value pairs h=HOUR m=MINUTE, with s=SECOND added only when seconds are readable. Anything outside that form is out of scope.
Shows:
h=8 m=8
